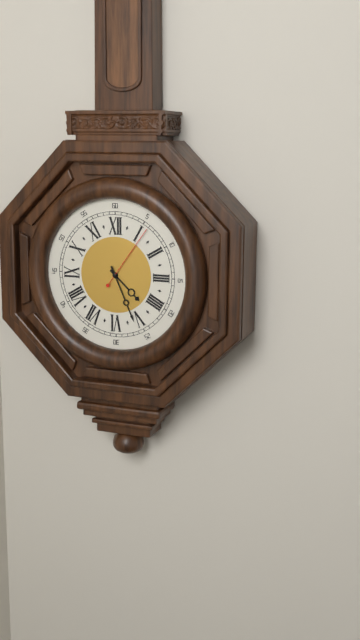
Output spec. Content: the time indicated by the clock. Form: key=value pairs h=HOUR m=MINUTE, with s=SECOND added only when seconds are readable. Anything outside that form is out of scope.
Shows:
h=4 m=26 s=6
